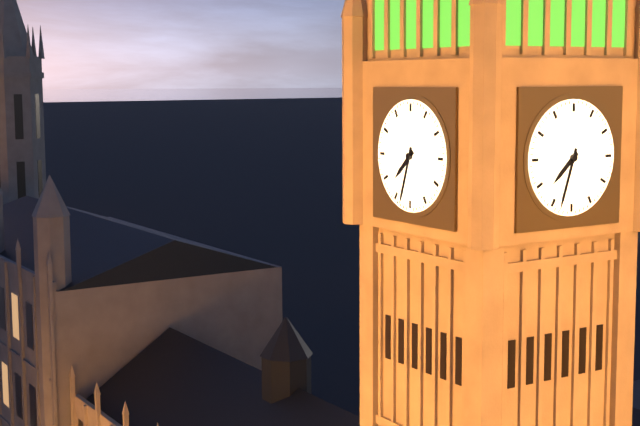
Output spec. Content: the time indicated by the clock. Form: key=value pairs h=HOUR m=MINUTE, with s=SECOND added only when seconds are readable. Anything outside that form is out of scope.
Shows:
h=7 m=33
